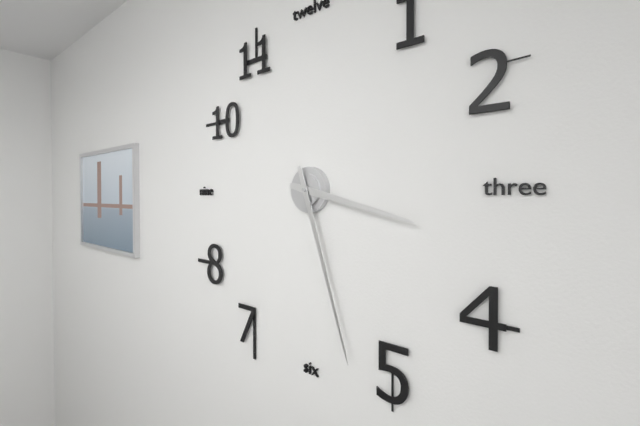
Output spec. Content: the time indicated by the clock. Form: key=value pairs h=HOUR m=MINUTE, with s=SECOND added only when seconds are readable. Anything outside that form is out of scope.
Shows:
h=3 m=27
